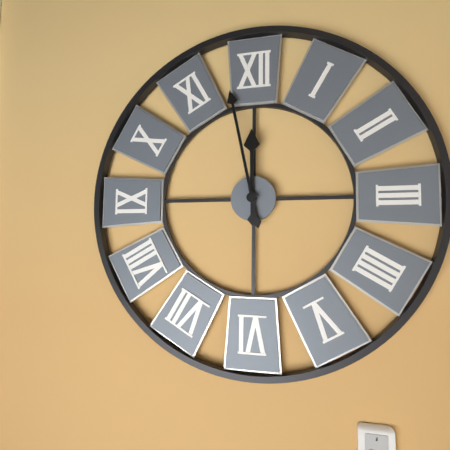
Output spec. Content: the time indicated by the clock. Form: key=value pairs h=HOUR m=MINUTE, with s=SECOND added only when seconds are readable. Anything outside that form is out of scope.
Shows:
h=11 m=58
